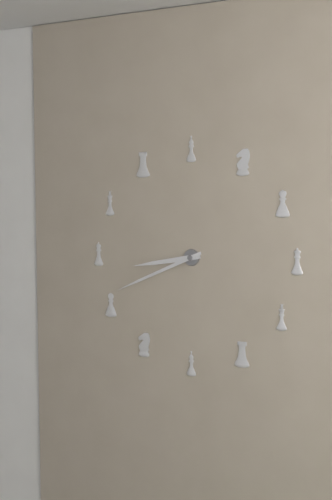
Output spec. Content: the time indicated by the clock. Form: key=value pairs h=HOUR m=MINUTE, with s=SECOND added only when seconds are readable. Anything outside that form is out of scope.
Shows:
h=8 m=41
